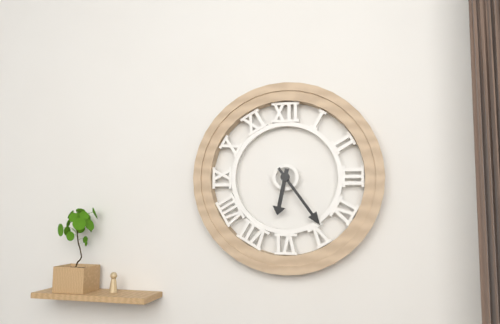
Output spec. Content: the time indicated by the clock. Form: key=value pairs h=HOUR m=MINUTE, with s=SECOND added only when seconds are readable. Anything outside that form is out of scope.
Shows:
h=6 m=24
